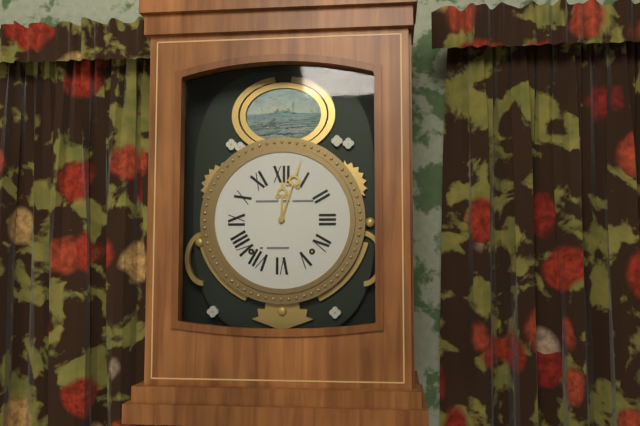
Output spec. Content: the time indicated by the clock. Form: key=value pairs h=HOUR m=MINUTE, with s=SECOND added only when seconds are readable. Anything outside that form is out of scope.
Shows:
h=12 m=3
